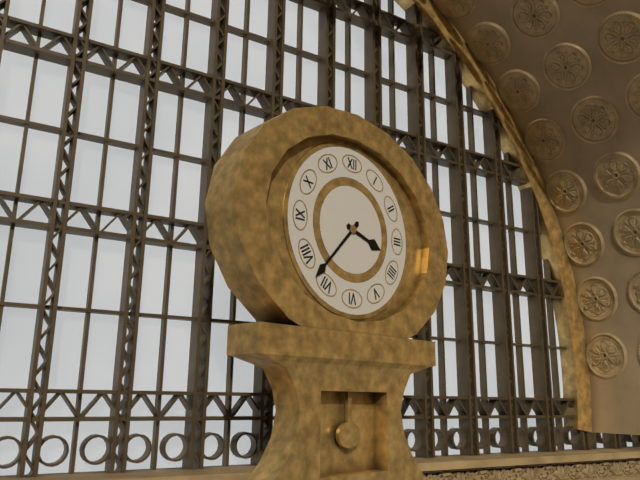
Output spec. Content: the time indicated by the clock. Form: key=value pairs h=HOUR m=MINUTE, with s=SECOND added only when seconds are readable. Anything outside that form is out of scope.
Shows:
h=3 m=37
